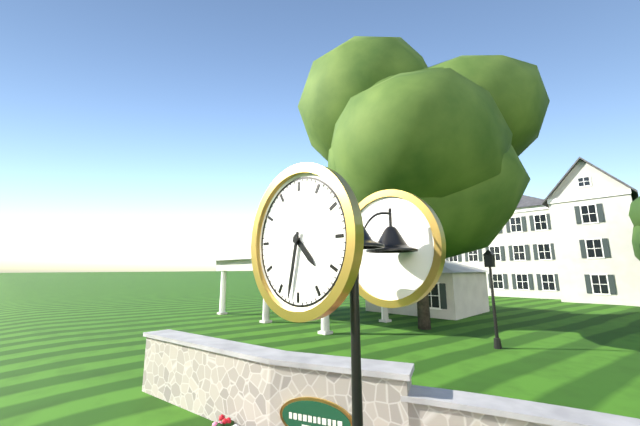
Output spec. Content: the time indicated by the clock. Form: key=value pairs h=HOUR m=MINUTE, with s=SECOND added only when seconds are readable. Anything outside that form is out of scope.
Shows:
h=4 m=32
